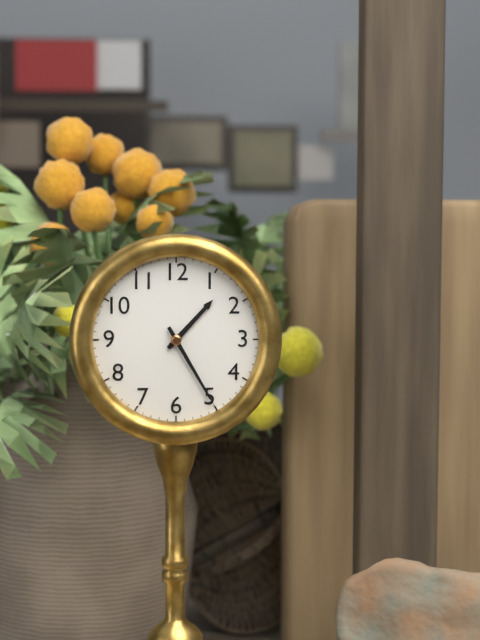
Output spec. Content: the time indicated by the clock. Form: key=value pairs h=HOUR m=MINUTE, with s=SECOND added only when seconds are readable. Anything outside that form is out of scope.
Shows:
h=1 m=25
